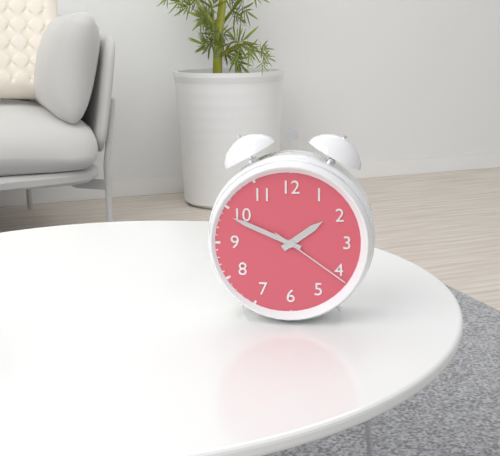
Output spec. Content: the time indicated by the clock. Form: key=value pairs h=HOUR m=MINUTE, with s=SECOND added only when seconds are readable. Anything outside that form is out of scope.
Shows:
h=1 m=49 s=21
